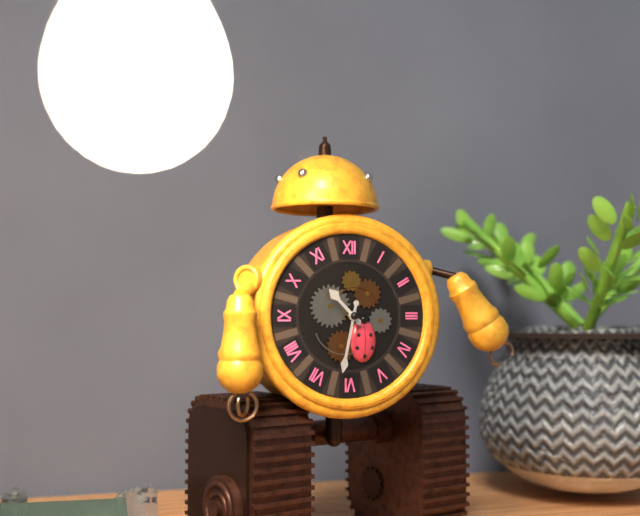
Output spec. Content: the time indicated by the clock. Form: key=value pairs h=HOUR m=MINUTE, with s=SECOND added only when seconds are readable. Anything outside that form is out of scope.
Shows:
h=10 m=32
